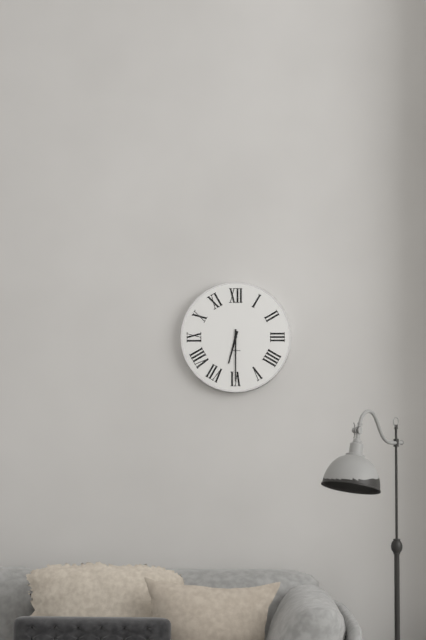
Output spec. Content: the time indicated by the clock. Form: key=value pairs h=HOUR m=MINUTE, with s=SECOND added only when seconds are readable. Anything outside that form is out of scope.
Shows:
h=6 m=30
